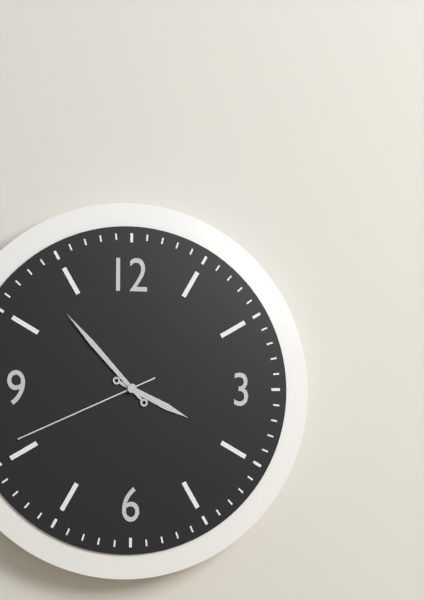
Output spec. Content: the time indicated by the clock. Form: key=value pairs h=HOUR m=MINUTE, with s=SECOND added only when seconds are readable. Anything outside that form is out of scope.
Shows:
h=3 m=53 s=41
